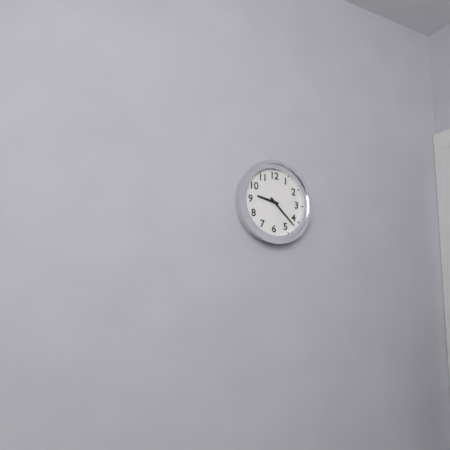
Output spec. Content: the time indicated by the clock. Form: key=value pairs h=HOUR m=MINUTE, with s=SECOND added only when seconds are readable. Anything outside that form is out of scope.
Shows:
h=9 m=22
